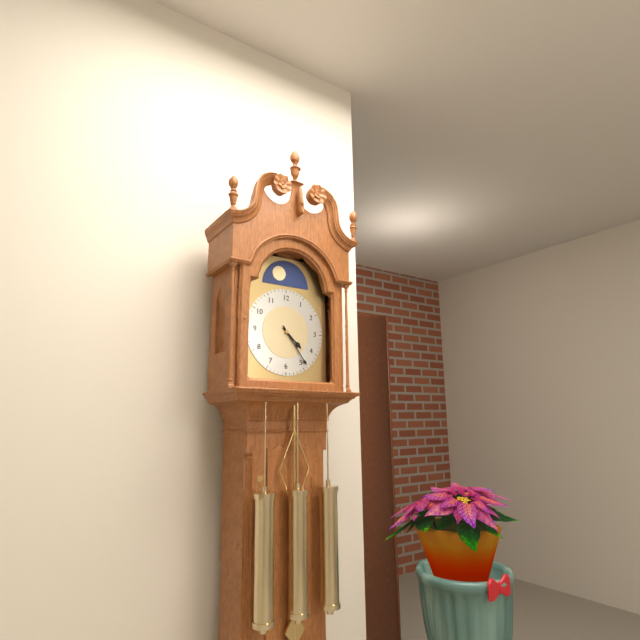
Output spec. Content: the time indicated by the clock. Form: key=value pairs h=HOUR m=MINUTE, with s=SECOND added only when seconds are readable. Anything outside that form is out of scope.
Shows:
h=4 m=24
